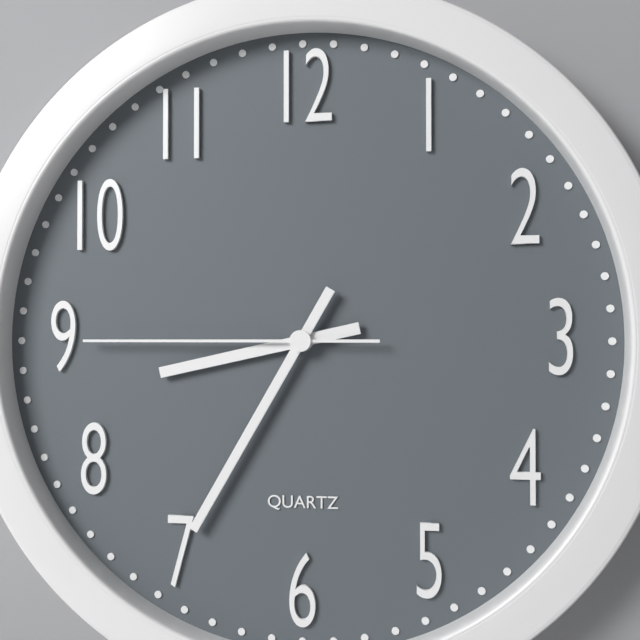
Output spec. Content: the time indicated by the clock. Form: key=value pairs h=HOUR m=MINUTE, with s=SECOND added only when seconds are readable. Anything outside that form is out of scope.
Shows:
h=8 m=35 s=45
